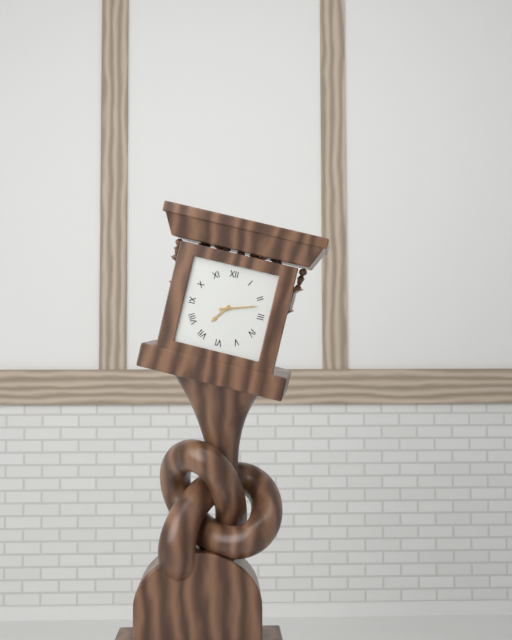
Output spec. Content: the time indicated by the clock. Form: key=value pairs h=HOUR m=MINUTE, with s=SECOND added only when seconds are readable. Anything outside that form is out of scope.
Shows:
h=7 m=12
